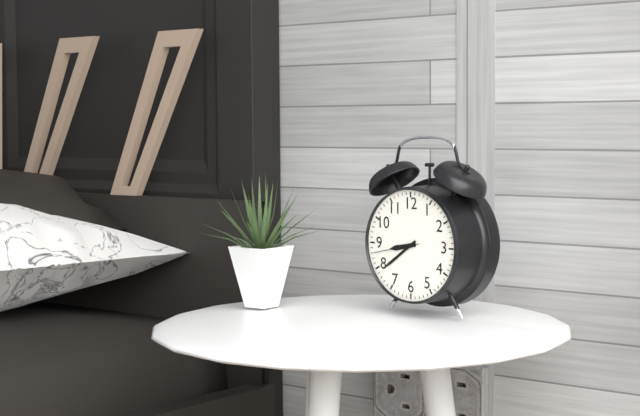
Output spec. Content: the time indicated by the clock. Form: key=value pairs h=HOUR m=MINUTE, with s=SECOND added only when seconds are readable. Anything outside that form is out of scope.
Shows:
h=8 m=39
